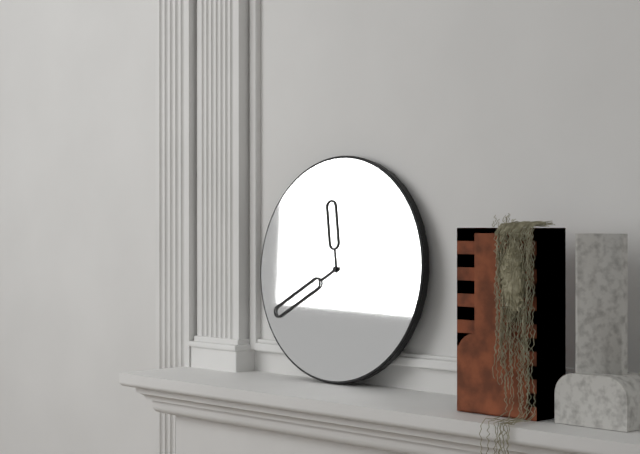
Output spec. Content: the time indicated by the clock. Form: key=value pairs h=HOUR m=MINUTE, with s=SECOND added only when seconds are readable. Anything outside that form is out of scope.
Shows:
h=11 m=40
